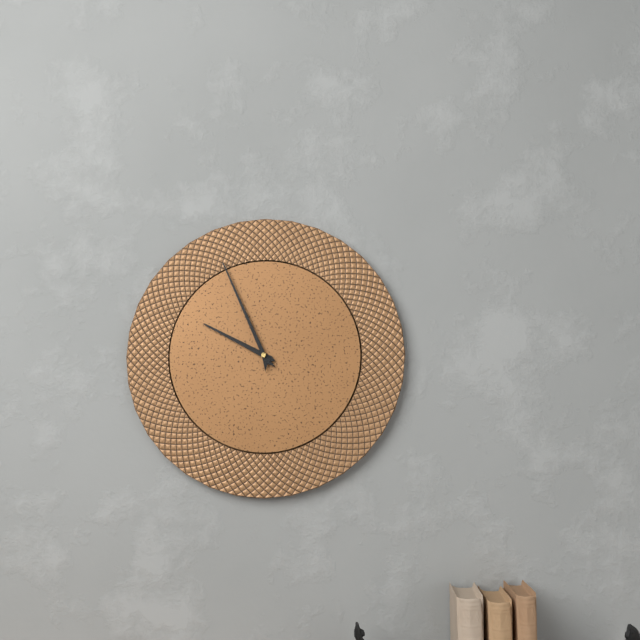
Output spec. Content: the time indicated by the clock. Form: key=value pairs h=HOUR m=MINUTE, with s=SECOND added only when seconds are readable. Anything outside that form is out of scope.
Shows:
h=9 m=56
